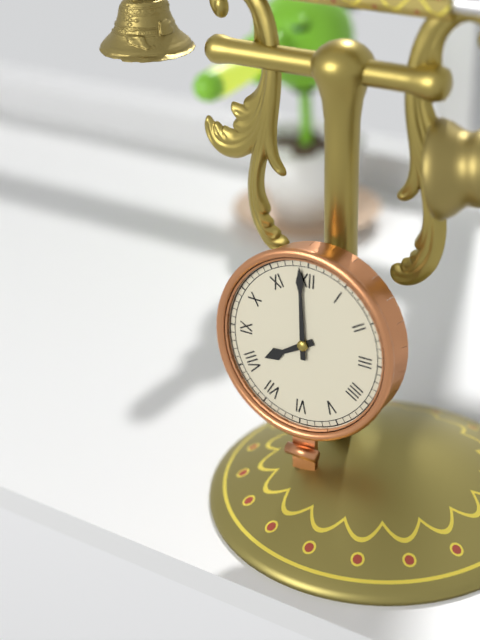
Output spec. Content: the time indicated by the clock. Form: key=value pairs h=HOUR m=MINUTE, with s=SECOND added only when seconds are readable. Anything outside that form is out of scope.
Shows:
h=7 m=59
